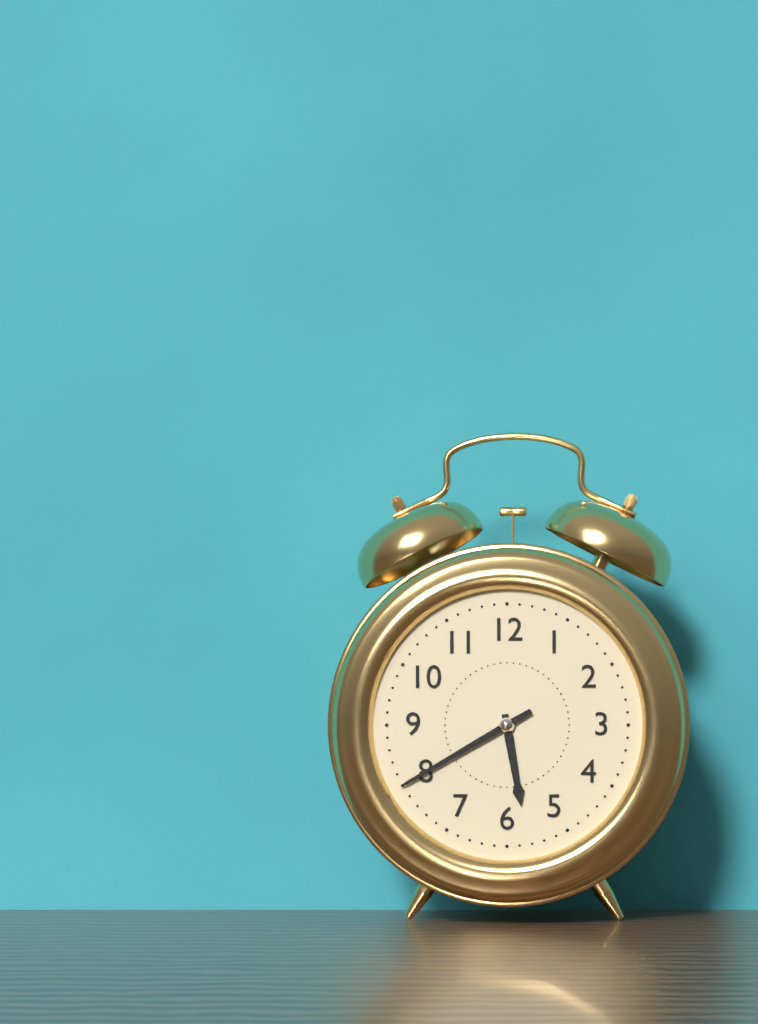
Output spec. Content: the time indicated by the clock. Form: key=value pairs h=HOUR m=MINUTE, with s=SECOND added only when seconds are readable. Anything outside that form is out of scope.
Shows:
h=5 m=40
